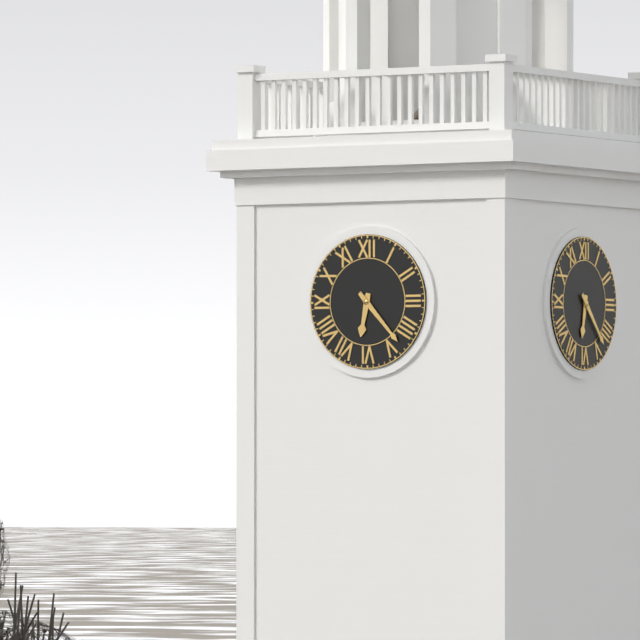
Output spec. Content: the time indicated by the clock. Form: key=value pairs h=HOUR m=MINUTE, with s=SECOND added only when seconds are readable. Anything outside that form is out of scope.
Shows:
h=6 m=23
